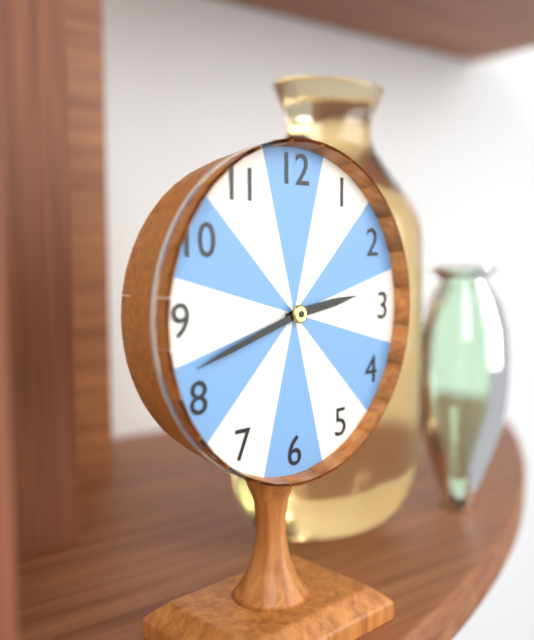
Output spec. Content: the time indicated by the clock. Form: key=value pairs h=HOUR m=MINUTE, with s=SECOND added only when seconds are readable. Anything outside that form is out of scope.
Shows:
h=2 m=42
